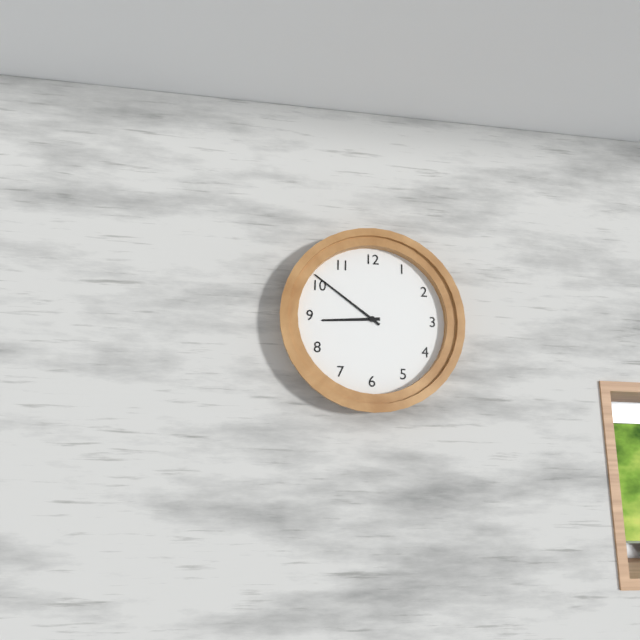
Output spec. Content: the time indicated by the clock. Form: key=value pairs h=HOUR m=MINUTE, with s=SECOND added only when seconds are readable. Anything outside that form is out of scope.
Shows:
h=8 m=51
